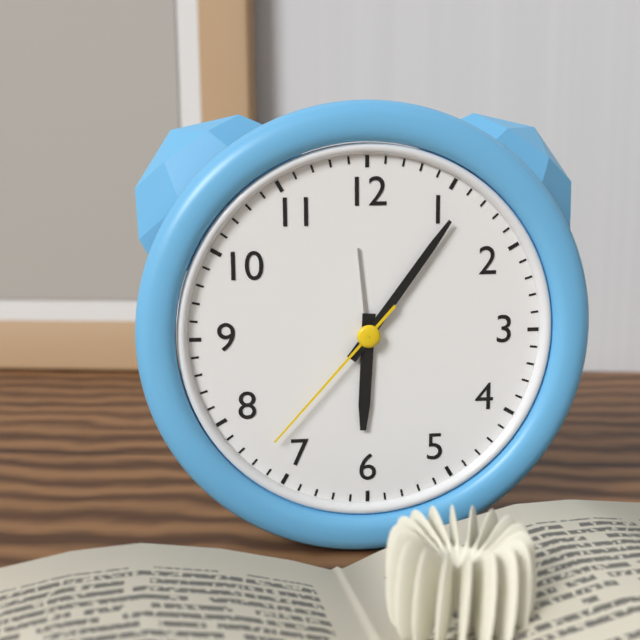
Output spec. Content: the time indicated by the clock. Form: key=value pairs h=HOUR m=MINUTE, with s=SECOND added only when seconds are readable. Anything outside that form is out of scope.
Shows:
h=6 m=6 s=37
